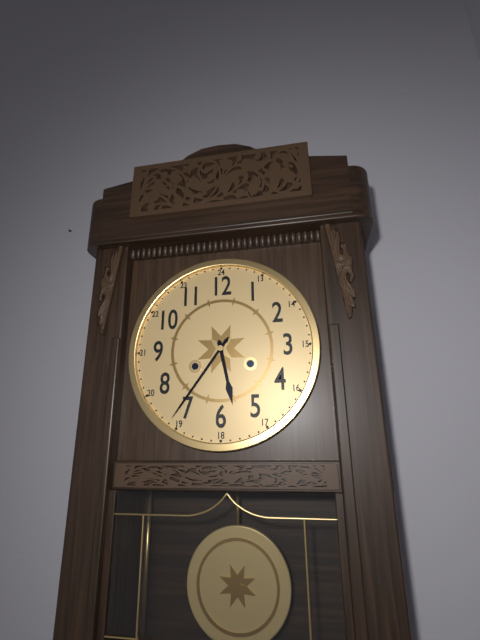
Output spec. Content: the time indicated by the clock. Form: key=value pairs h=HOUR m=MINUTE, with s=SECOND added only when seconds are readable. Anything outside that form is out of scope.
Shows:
h=5 m=36
